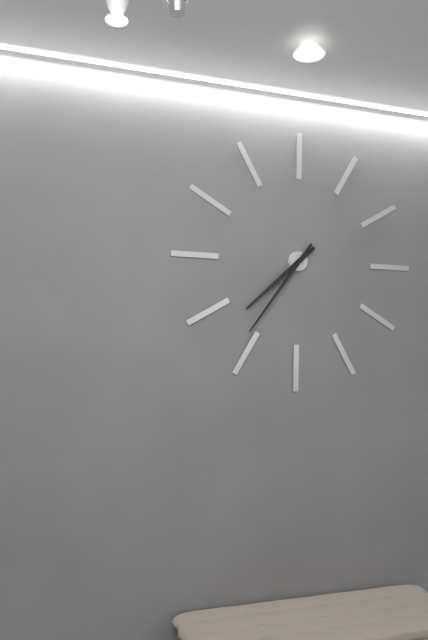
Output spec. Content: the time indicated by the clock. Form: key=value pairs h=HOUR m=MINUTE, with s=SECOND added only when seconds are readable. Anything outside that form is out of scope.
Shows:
h=7 m=36
